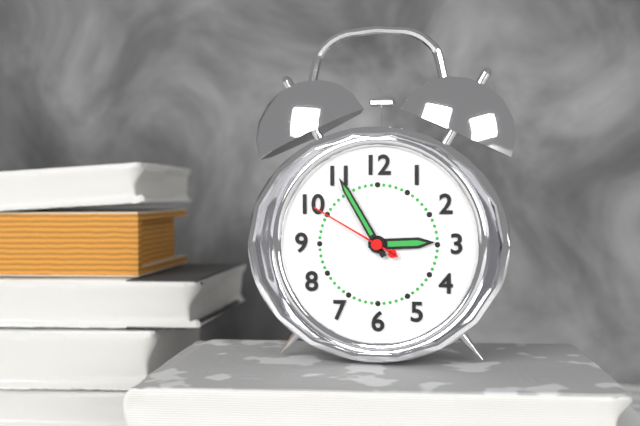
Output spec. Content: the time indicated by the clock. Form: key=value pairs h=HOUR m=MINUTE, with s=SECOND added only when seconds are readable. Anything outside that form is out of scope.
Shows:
h=2 m=55 s=50
